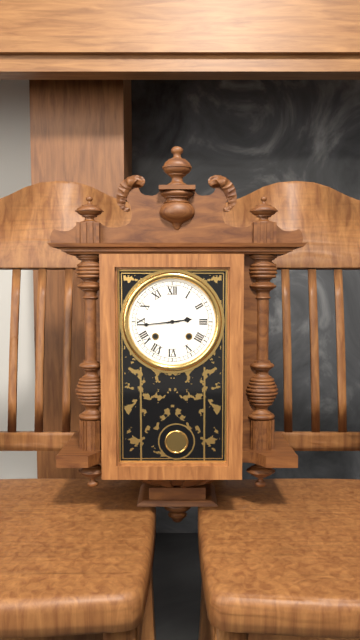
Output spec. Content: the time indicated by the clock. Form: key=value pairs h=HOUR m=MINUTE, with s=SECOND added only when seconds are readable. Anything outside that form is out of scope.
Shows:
h=2 m=44
